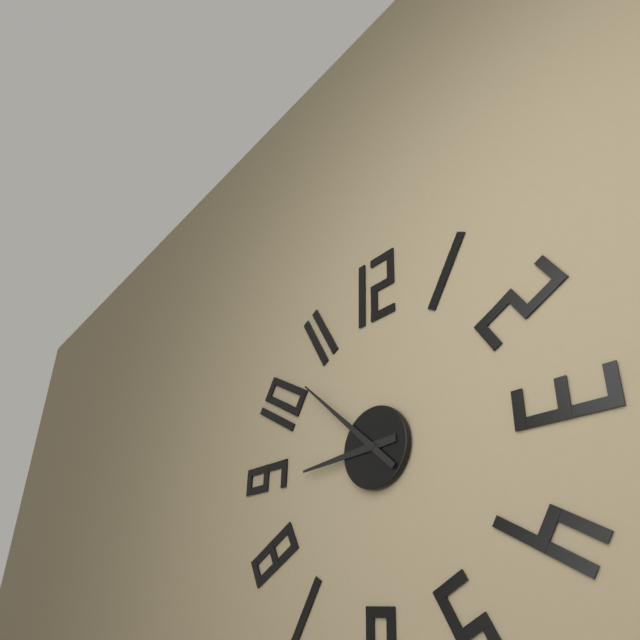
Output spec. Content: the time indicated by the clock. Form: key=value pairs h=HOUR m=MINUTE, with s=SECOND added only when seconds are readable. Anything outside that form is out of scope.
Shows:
h=8 m=52
